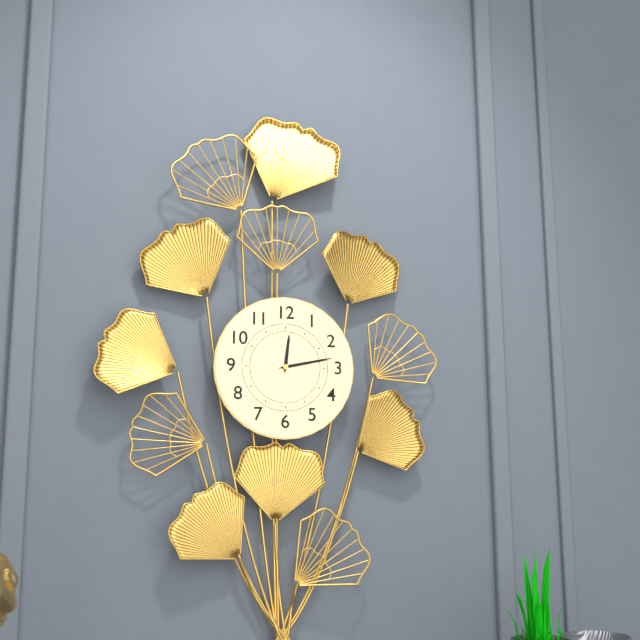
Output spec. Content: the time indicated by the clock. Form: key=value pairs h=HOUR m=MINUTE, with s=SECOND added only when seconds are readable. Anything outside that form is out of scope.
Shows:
h=12 m=13
